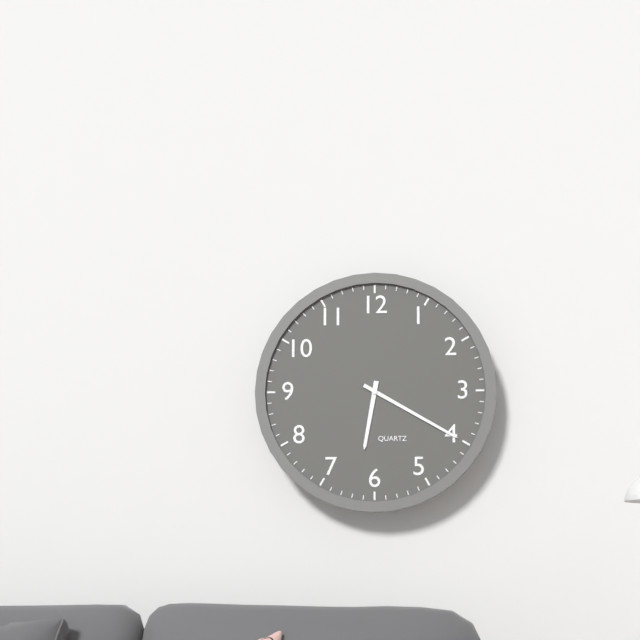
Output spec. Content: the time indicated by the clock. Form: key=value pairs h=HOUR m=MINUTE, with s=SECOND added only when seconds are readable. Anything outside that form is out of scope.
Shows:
h=6 m=20
